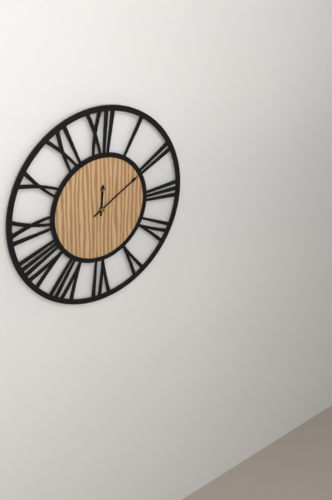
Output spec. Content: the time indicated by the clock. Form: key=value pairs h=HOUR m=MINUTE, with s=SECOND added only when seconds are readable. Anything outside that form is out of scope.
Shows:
h=12 m=10
